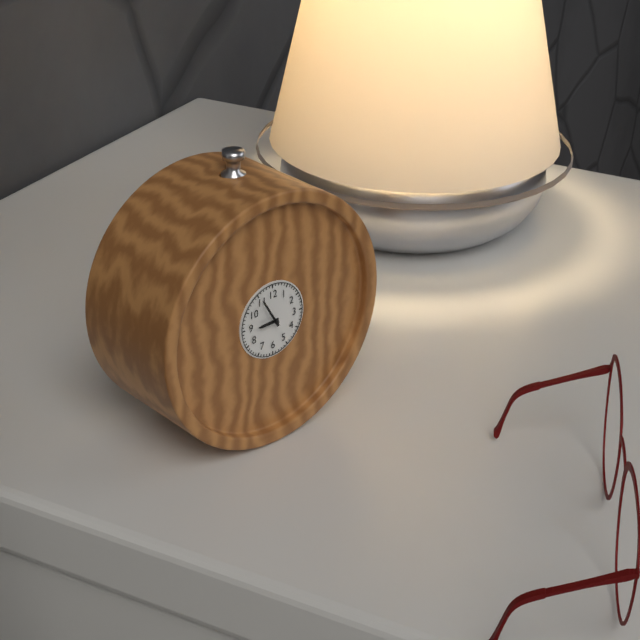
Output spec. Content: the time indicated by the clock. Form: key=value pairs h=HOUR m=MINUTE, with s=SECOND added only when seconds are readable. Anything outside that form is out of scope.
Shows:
h=8 m=55
